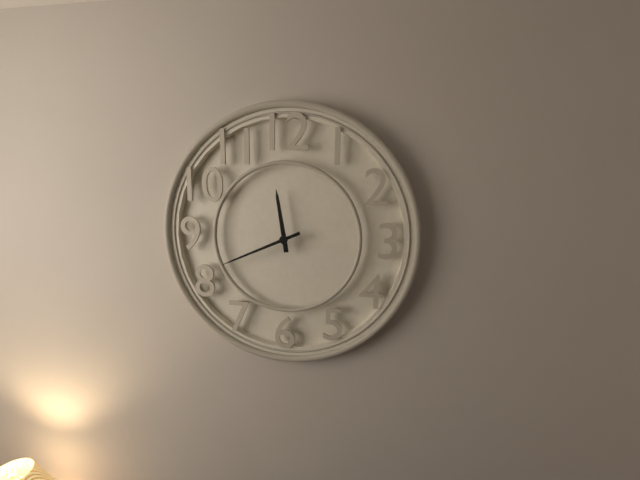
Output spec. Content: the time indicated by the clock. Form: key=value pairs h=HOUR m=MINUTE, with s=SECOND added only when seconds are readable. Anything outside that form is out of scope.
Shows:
h=11 m=41
